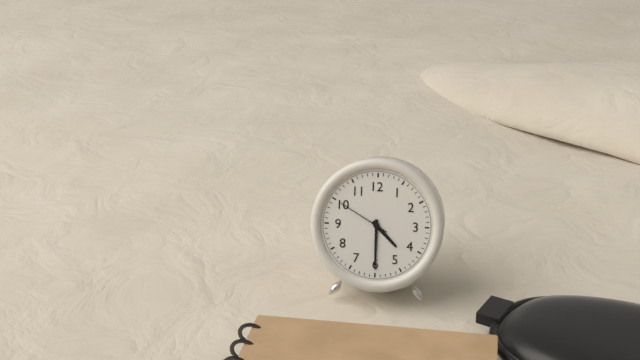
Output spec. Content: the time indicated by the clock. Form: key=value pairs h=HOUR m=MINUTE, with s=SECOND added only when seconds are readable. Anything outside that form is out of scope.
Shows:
h=4 m=30 s=50
